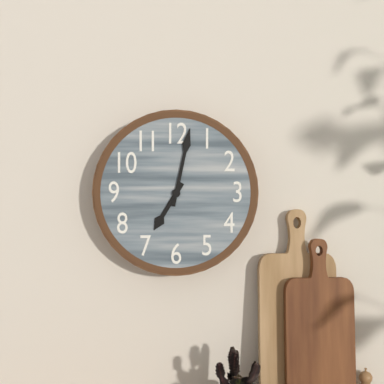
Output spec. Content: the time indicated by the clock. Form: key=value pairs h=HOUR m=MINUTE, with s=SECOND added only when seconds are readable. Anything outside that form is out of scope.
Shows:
h=7 m=2
